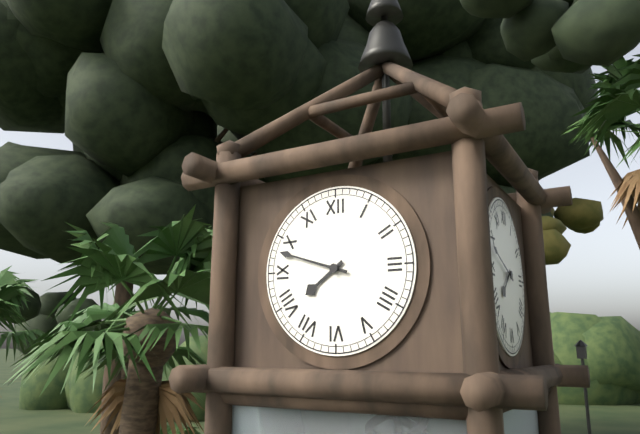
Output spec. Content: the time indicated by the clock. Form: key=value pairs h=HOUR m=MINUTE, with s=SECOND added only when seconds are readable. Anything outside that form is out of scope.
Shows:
h=7 m=48
